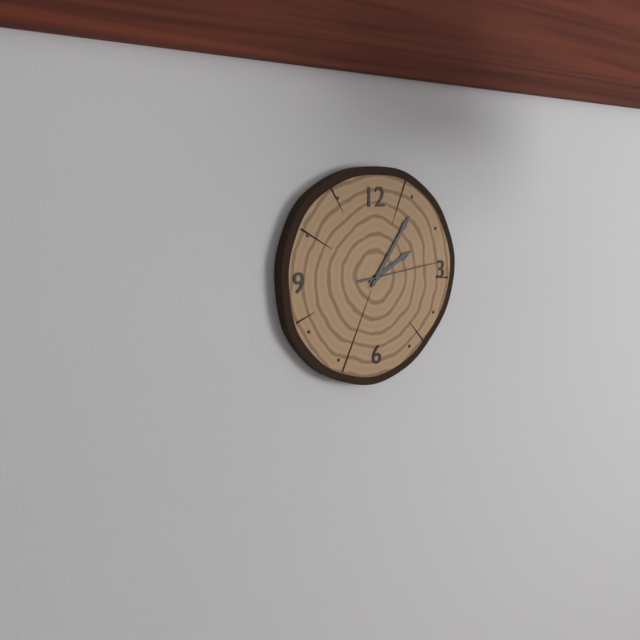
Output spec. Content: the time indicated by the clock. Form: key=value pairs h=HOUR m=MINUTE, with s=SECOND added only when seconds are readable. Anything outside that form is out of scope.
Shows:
h=2 m=6 s=14
